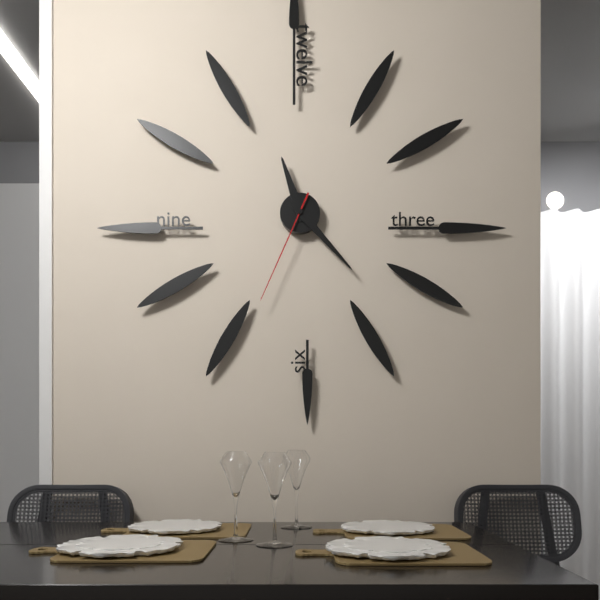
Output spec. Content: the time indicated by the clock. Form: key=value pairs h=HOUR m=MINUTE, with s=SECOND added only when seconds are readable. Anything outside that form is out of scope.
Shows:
h=11 m=23 s=34
